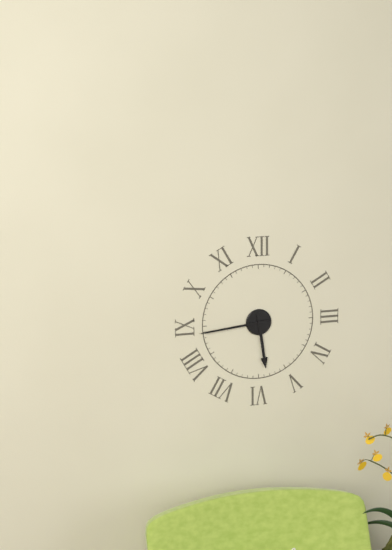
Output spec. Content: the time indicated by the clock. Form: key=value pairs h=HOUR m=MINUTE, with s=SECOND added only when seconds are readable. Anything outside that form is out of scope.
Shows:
h=5 m=44
